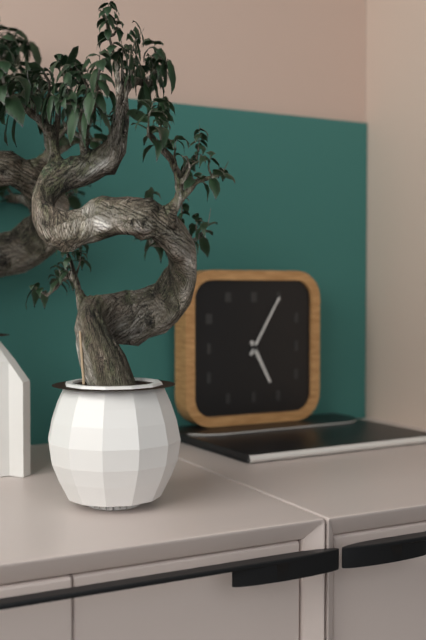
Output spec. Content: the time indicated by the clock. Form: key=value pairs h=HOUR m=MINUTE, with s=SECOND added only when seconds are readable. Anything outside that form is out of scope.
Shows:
h=5 m=5
